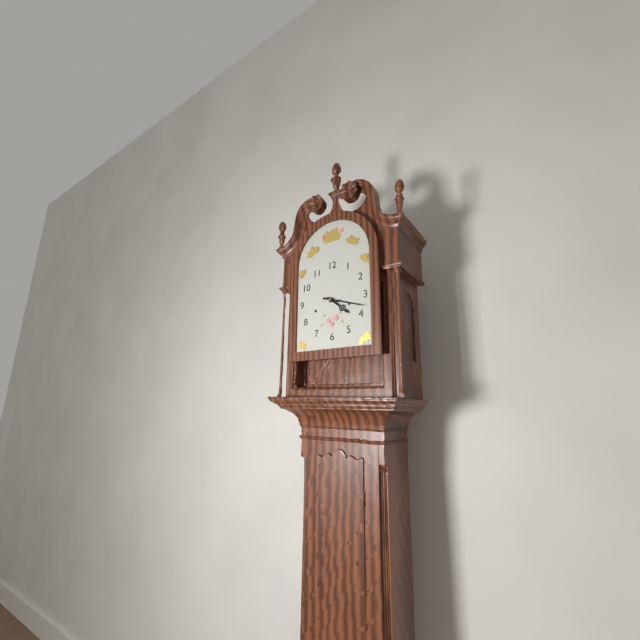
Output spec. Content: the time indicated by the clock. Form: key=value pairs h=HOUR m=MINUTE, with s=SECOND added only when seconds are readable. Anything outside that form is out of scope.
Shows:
h=4 m=18
